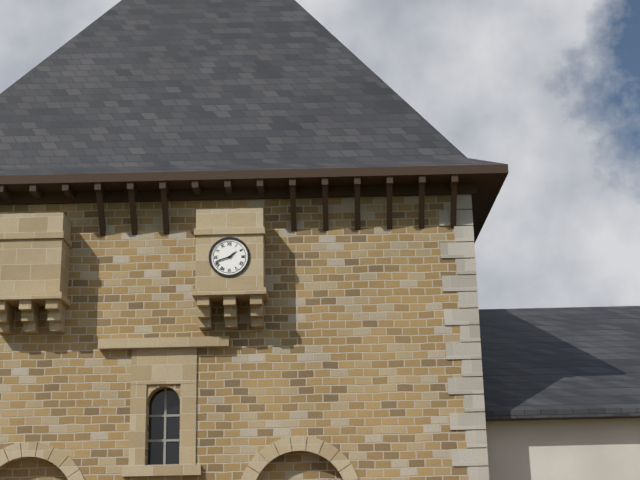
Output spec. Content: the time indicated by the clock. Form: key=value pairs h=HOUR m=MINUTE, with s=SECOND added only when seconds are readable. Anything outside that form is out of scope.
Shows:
h=1 m=42
